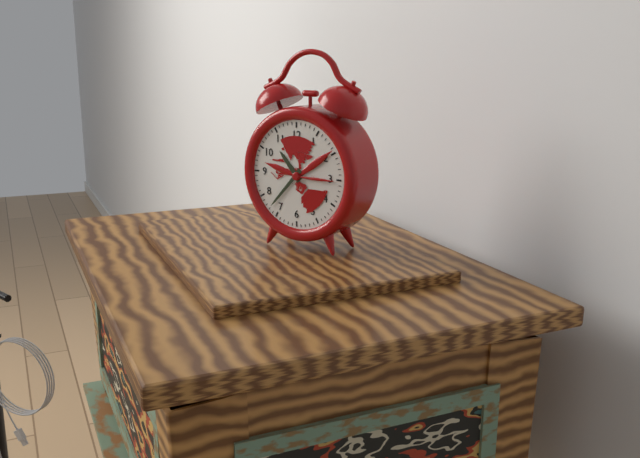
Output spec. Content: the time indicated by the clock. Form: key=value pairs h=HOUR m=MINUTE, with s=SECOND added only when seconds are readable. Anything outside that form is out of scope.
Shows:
h=10 m=37
